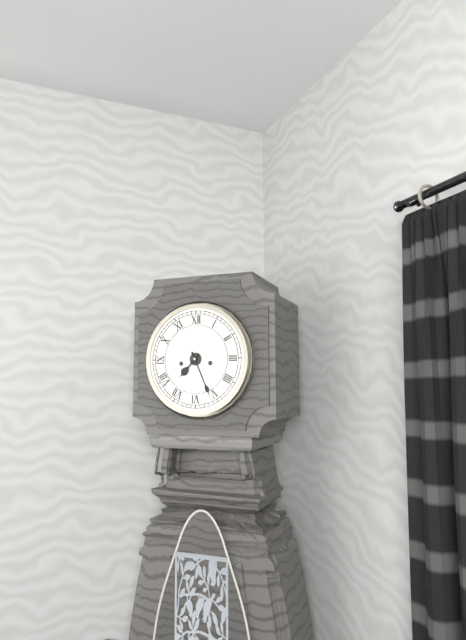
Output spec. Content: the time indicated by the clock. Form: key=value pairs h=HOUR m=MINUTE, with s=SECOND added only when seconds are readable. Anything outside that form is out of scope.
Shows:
h=7 m=26
